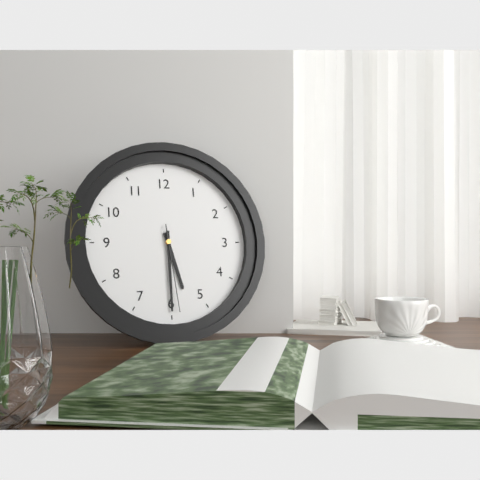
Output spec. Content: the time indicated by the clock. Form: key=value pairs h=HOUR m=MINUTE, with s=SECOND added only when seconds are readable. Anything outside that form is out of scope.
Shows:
h=5 m=30 s=29
